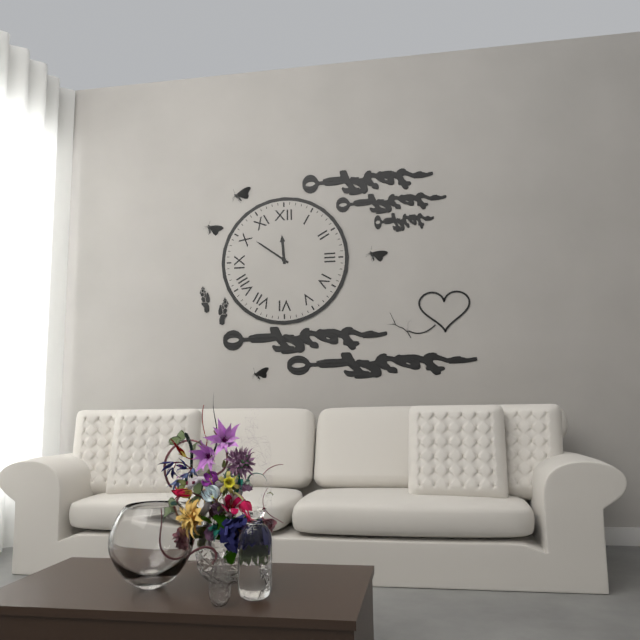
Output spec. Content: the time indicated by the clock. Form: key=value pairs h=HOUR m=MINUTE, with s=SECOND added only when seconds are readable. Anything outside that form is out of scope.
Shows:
h=11 m=51
